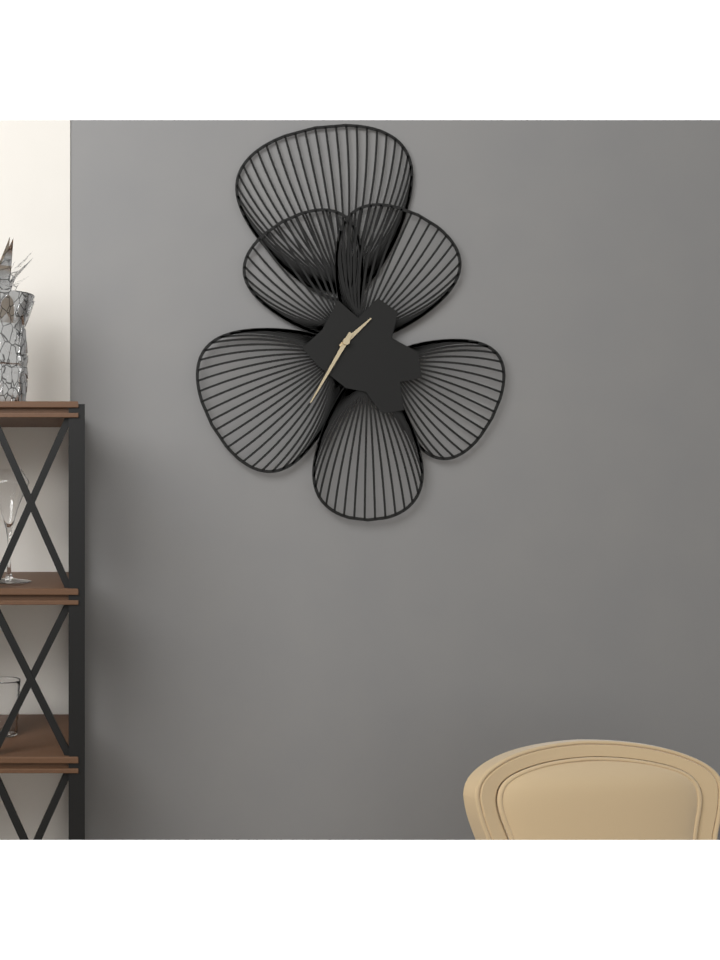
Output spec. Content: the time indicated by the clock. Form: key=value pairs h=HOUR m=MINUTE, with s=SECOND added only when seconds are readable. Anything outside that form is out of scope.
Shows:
h=1 m=35
